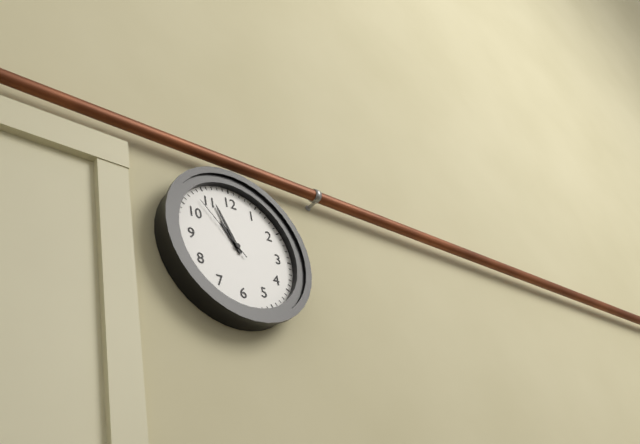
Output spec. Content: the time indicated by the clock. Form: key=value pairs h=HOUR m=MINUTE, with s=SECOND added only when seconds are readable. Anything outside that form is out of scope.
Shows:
h=10 m=56 s=53
